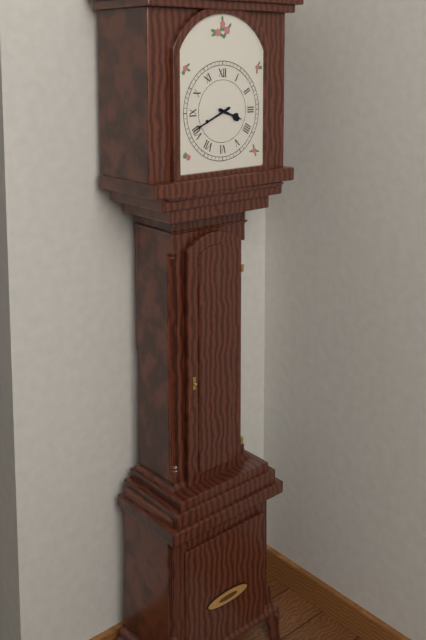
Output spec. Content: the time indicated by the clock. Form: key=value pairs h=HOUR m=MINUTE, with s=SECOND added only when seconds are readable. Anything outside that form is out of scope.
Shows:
h=3 m=41
